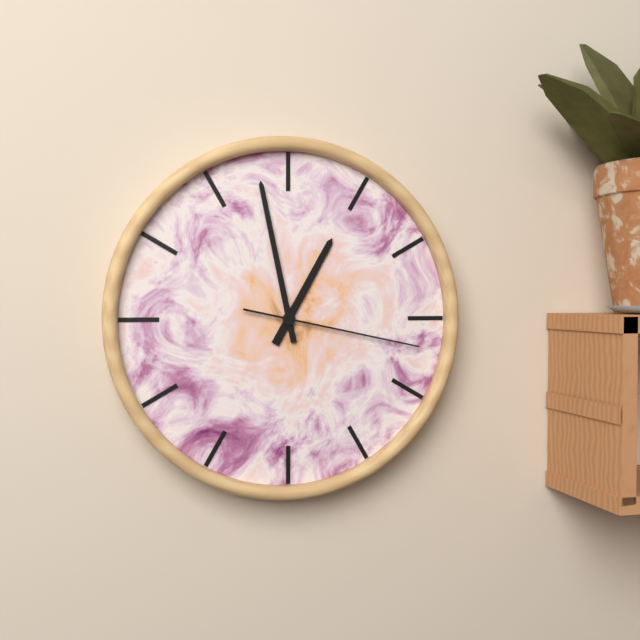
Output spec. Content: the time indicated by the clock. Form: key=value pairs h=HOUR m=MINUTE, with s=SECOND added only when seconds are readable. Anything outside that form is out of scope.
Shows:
h=12 m=58 s=17
